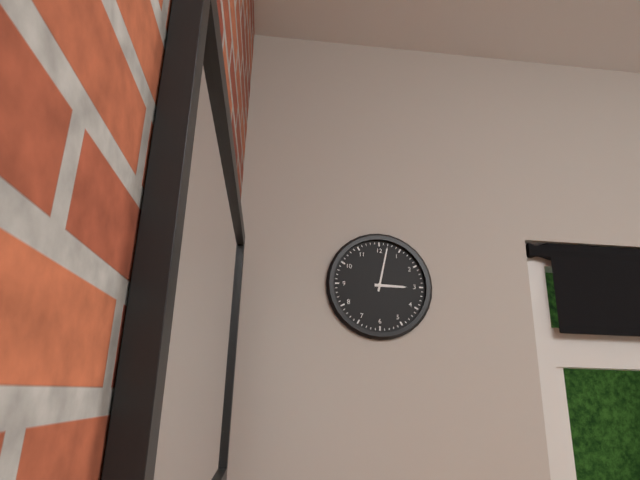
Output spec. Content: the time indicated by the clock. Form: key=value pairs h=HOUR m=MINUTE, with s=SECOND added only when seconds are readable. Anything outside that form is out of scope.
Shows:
h=3 m=2
